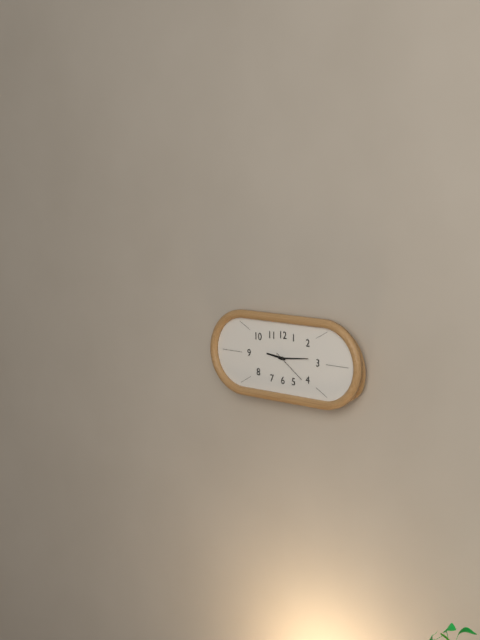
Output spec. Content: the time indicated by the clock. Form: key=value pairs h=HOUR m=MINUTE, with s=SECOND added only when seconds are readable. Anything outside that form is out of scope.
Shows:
h=9 m=14
